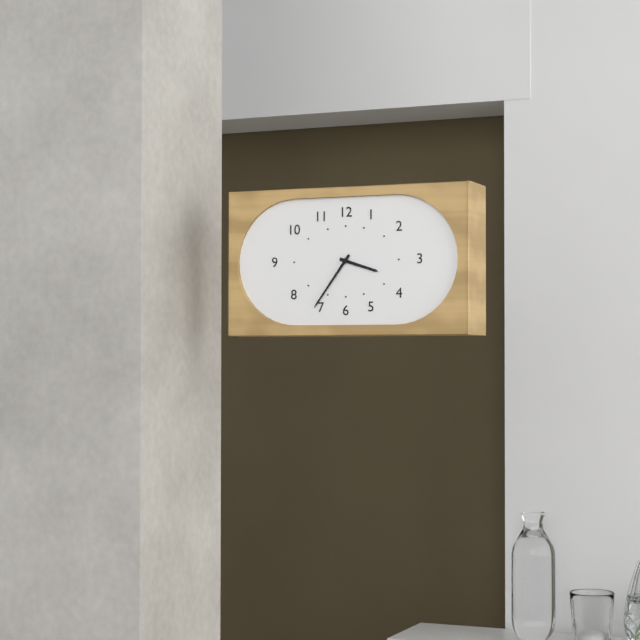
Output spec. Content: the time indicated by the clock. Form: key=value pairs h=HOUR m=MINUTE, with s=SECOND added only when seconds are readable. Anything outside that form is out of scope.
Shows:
h=3 m=36
